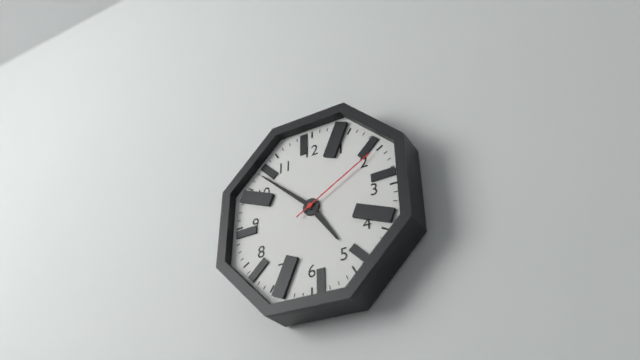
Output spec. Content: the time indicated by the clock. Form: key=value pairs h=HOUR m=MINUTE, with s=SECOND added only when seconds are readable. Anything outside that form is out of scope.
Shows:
h=4 m=52 s=10
